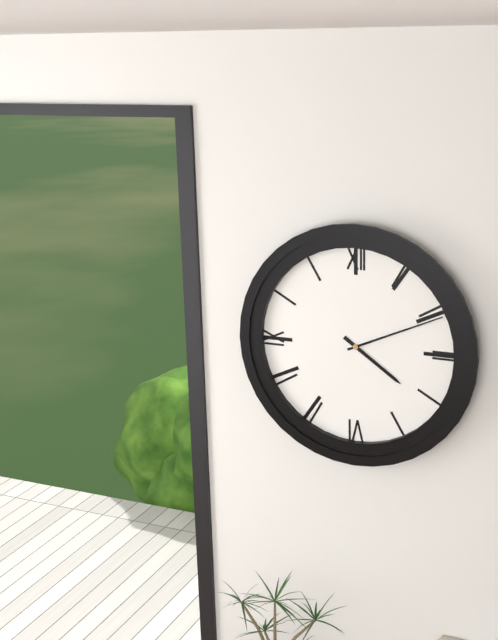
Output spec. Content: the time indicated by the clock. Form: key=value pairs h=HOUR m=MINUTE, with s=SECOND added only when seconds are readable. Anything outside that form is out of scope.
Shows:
h=4 m=11
